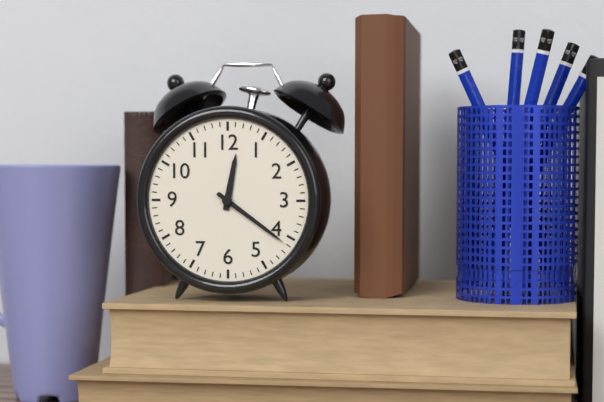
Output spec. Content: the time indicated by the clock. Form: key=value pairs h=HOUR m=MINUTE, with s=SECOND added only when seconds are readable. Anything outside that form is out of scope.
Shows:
h=12 m=21
